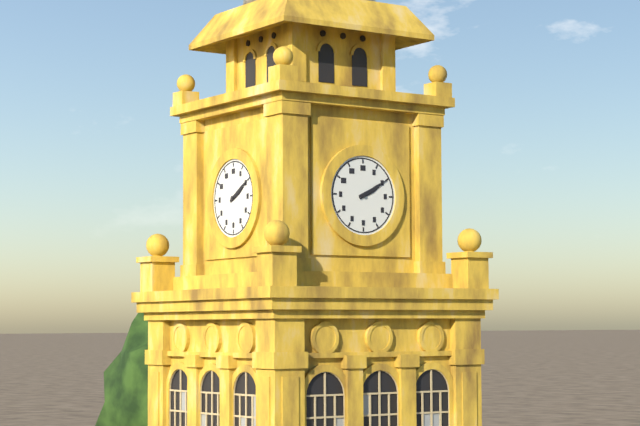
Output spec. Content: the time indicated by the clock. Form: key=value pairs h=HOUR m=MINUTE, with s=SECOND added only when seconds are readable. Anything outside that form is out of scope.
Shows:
h=2 m=10
